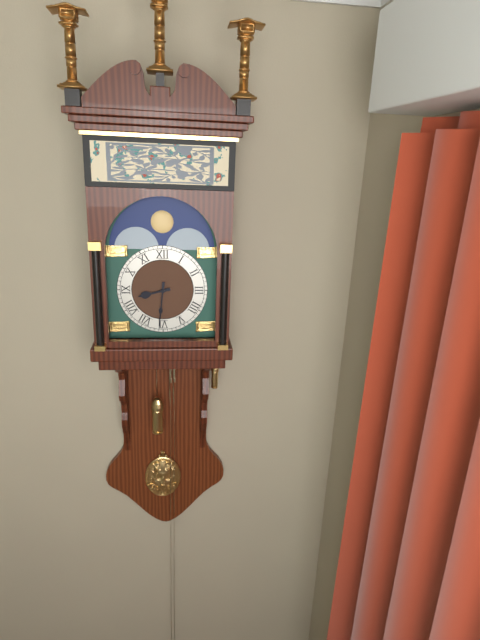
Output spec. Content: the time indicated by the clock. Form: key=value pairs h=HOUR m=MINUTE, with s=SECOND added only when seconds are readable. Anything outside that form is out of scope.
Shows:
h=8 m=31
